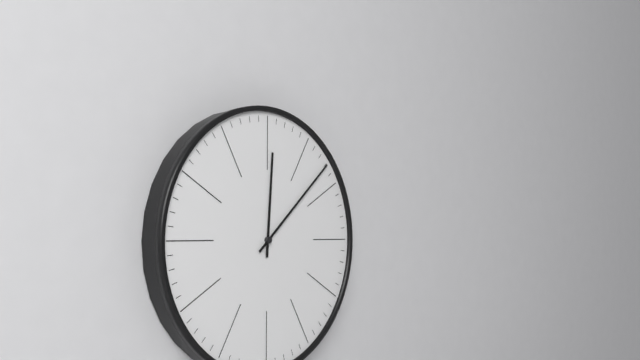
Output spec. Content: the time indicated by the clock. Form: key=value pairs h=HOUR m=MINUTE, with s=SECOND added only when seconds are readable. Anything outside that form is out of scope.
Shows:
h=12 m=8
